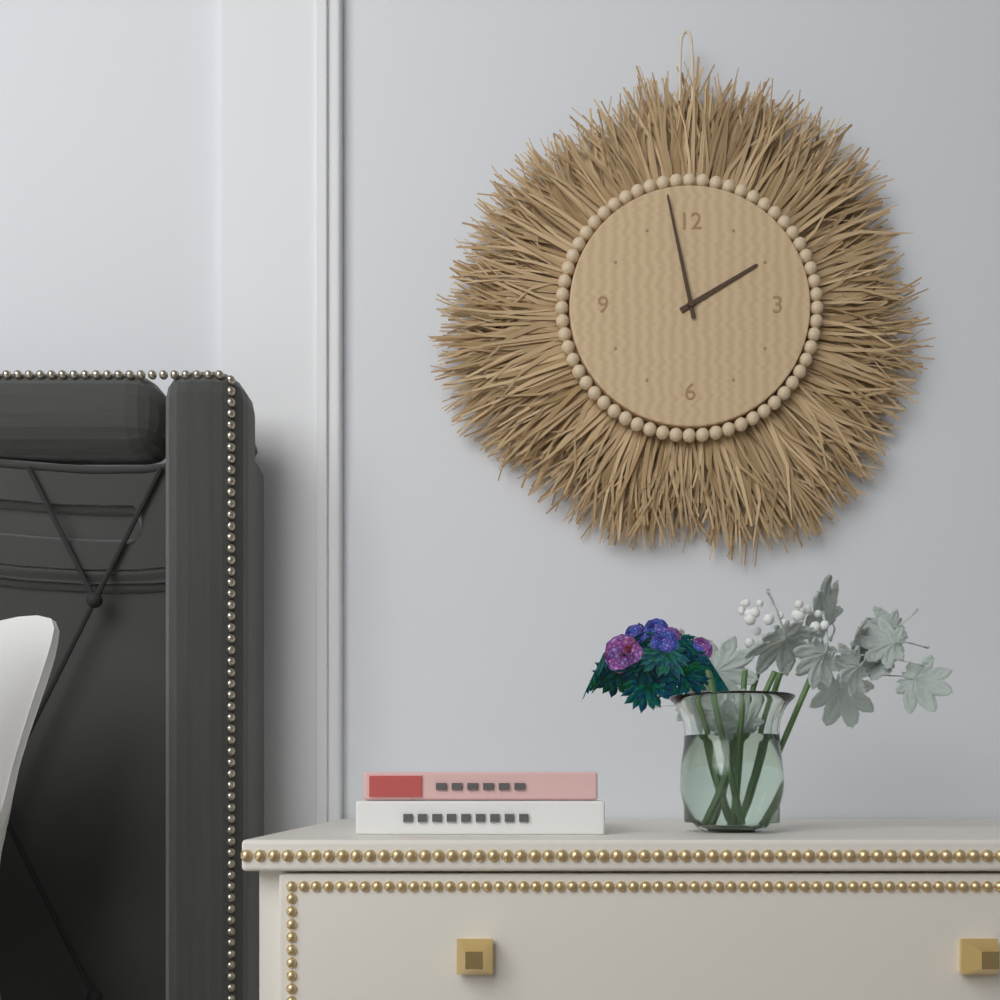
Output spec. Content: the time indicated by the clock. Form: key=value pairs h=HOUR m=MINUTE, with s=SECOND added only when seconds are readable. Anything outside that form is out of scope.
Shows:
h=1 m=58
